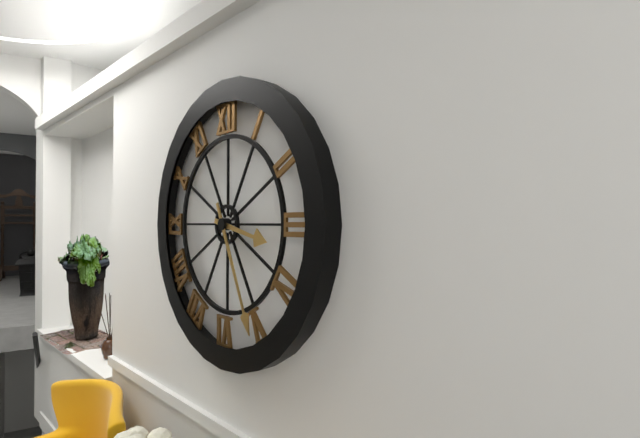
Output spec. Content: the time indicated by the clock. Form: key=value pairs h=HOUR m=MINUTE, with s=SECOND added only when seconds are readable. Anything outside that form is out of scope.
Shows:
h=3 m=26
